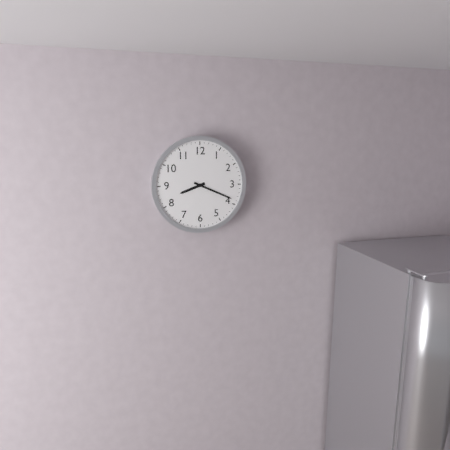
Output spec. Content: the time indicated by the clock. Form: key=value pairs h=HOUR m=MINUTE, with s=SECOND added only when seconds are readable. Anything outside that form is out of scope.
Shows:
h=8 m=19
